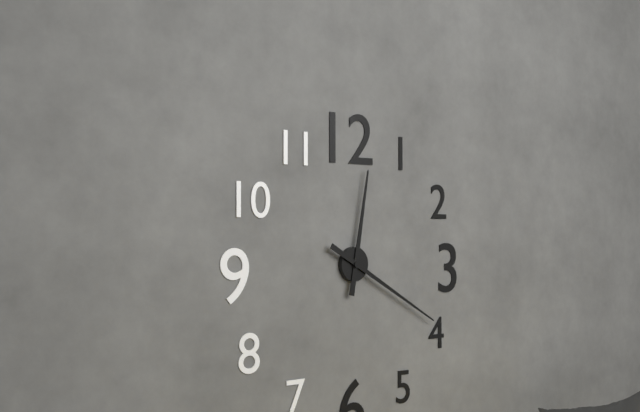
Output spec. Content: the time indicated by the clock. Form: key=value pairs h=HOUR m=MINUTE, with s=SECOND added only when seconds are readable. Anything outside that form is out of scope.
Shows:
h=12 m=20
